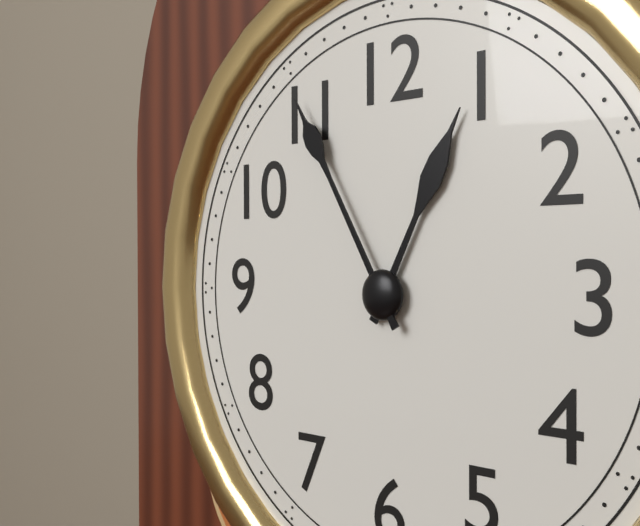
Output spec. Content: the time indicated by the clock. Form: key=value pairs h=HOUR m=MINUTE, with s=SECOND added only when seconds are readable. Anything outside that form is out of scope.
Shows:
h=12 m=55
